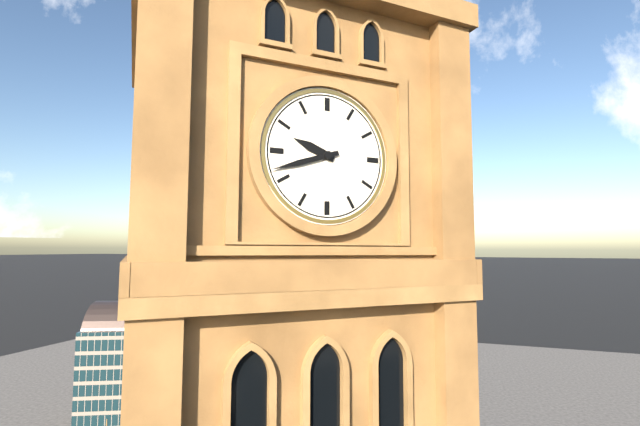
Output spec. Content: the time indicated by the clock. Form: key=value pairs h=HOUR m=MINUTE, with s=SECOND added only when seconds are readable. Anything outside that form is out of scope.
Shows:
h=9 m=42
